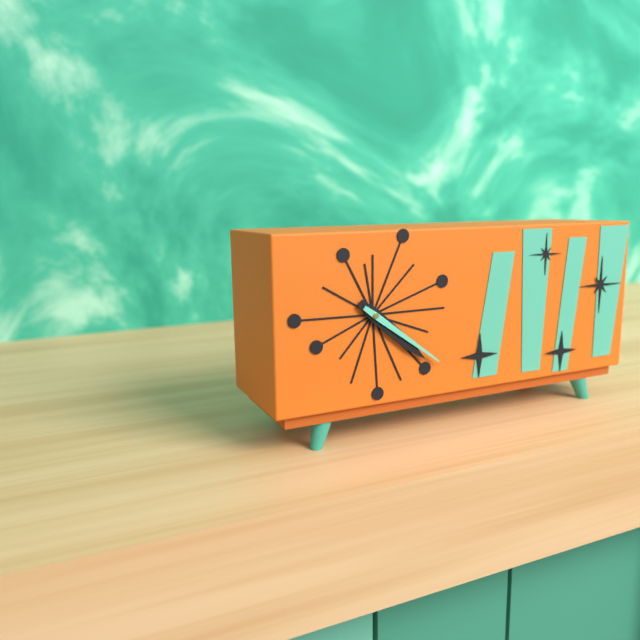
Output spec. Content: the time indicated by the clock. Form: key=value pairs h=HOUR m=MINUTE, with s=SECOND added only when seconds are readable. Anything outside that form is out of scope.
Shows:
h=4 m=21
